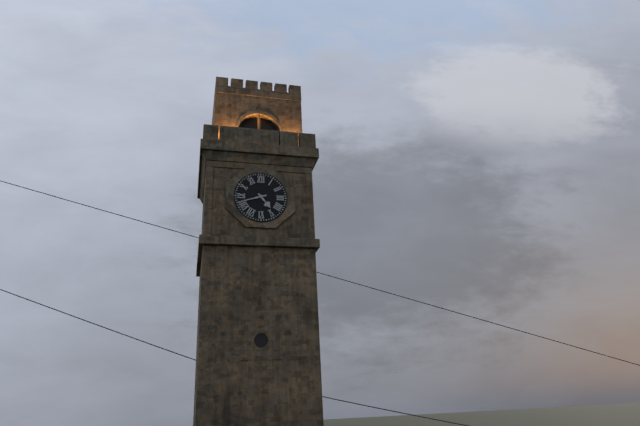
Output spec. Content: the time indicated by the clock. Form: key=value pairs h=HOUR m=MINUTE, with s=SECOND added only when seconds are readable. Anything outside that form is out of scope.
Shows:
h=4 m=42
